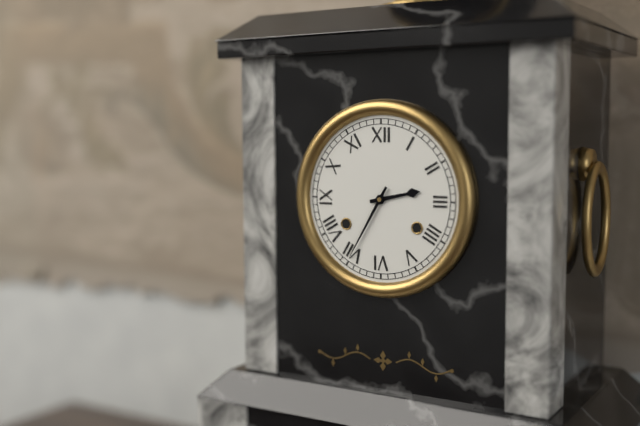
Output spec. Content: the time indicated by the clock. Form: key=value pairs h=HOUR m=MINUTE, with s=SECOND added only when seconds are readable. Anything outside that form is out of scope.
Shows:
h=2 m=35
